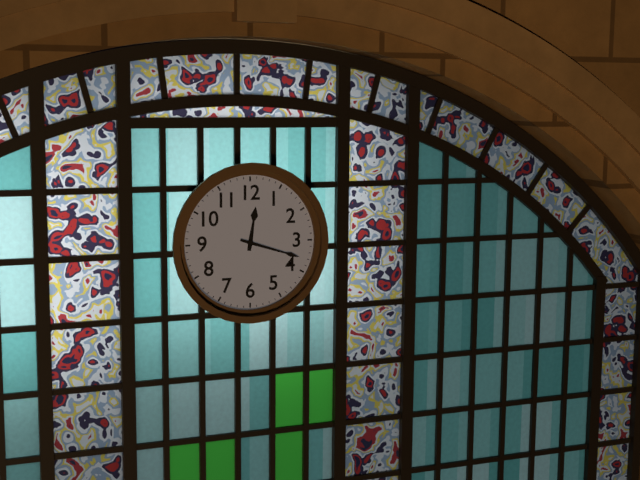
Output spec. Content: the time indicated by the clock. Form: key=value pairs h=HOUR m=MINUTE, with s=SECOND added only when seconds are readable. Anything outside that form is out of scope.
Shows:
h=12 m=18
